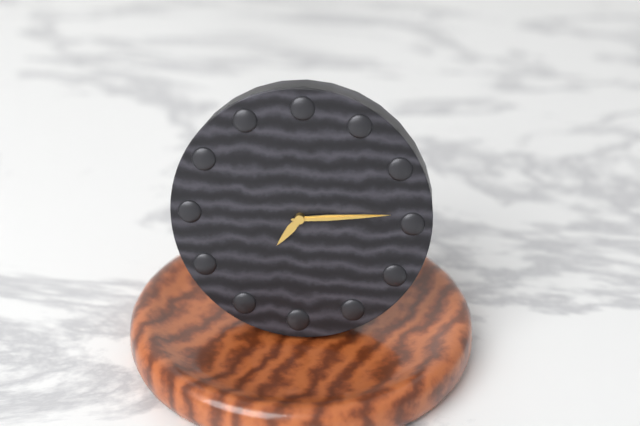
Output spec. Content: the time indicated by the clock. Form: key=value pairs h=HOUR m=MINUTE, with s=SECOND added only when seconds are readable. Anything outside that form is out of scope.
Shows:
h=7 m=14 s=14
